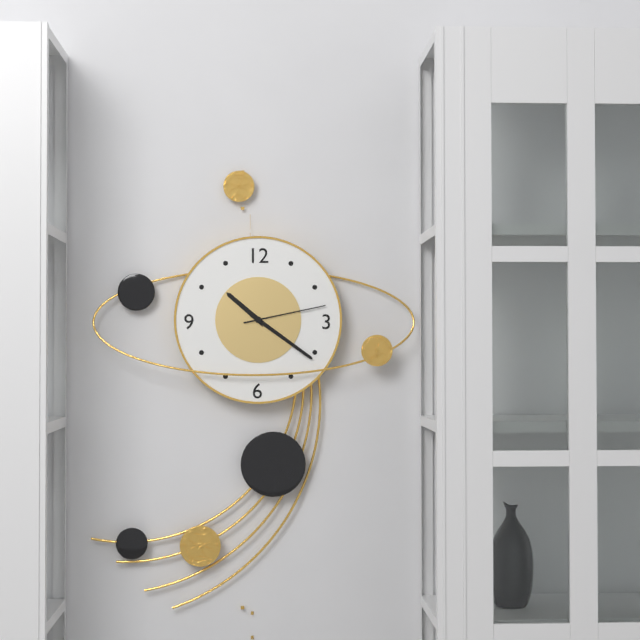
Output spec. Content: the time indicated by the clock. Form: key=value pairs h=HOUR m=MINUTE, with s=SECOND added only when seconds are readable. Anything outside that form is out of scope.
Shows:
h=10 m=21 s=13
